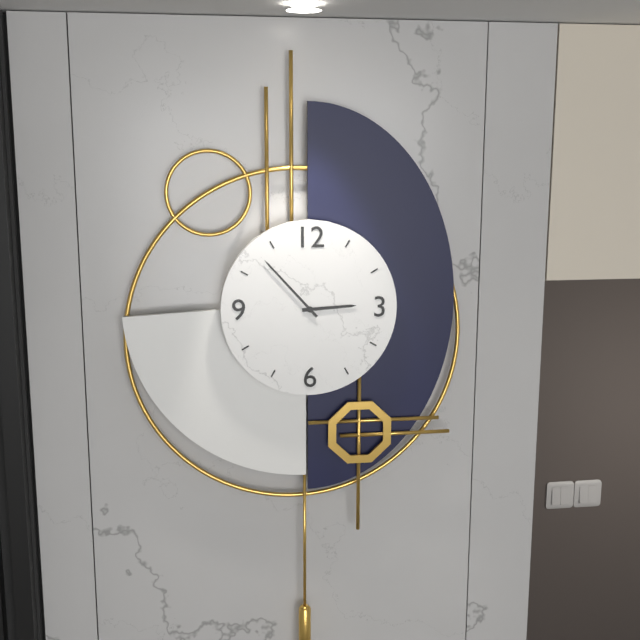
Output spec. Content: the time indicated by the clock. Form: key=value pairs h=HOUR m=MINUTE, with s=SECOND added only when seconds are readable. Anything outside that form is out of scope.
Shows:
h=2 m=53
